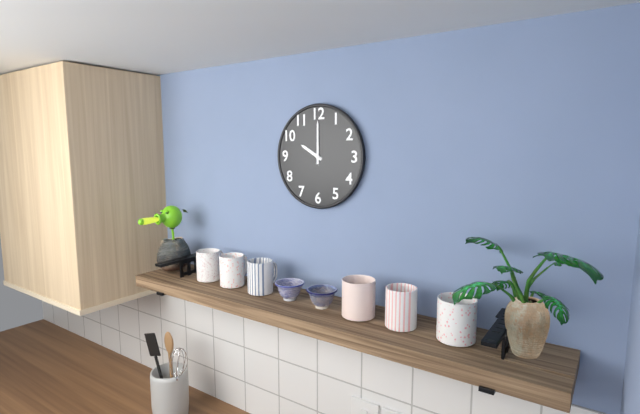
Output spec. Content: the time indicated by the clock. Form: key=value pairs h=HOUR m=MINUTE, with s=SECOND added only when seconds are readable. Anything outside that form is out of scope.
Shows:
h=10 m=0
